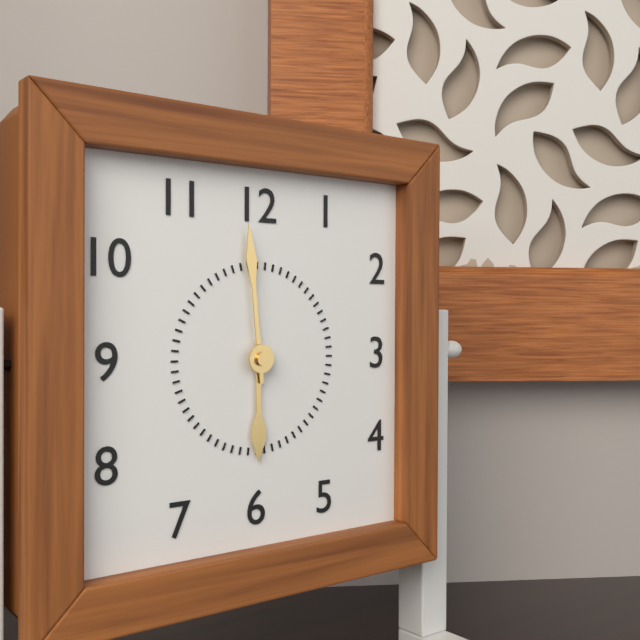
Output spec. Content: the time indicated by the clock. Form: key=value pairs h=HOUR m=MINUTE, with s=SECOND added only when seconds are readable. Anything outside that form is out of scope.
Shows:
h=5 m=59
